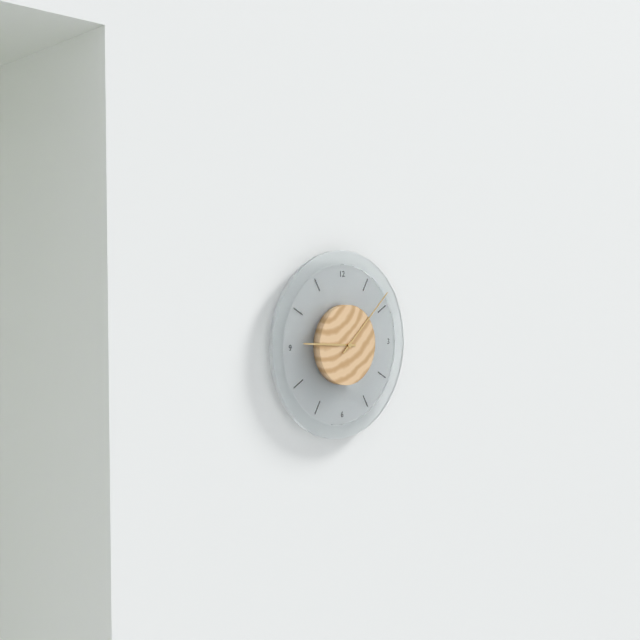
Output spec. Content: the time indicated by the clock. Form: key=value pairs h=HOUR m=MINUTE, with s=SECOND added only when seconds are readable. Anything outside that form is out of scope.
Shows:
h=9 m=8
